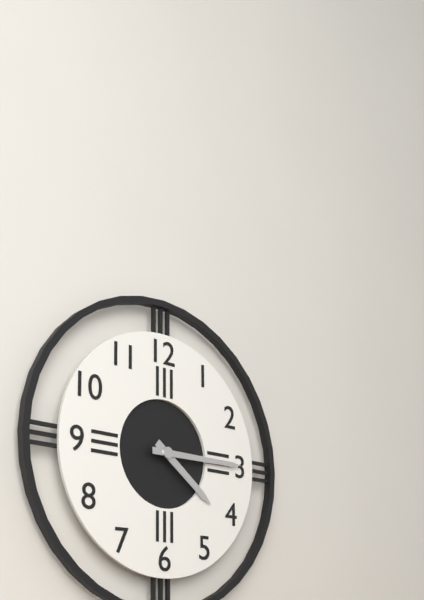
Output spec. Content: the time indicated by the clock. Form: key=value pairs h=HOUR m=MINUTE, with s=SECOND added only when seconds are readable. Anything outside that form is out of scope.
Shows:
h=4 m=15
